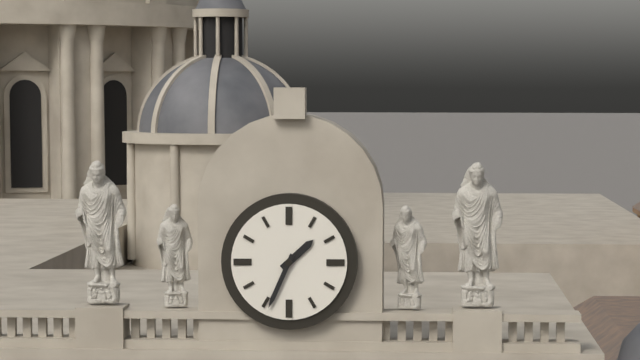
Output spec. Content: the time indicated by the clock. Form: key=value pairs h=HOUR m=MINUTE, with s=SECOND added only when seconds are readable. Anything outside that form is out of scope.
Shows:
h=1 m=34
